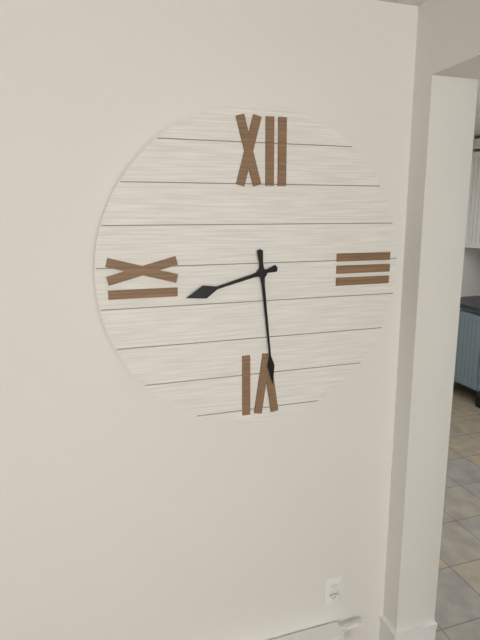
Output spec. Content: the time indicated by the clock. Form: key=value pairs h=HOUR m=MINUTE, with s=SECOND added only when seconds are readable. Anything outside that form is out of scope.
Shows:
h=8 m=29
